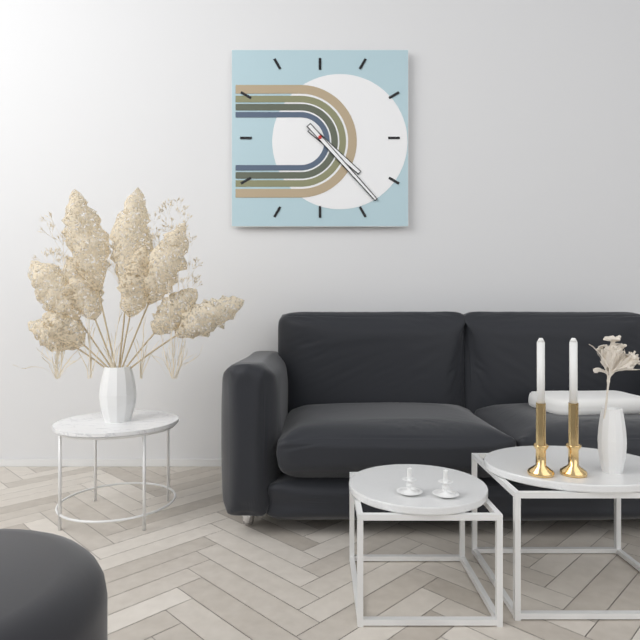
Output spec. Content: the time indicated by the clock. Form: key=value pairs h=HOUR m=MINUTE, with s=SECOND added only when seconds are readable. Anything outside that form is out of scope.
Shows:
h=4 m=23
